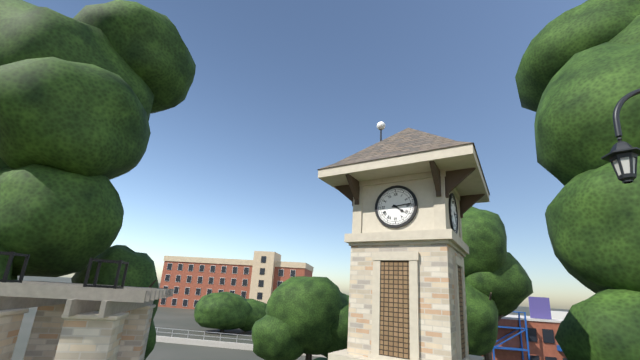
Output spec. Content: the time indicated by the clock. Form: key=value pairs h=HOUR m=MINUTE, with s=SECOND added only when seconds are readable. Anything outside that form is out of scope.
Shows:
h=4 m=14
